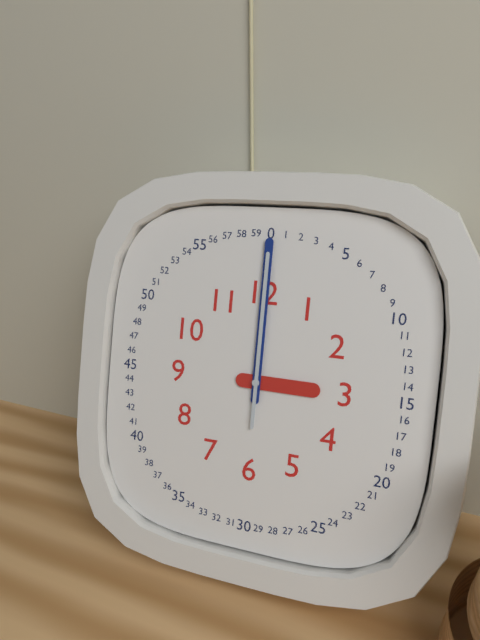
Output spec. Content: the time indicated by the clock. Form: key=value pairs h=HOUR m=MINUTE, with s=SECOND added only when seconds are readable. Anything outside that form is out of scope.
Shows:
h=3 m=0 s=0
